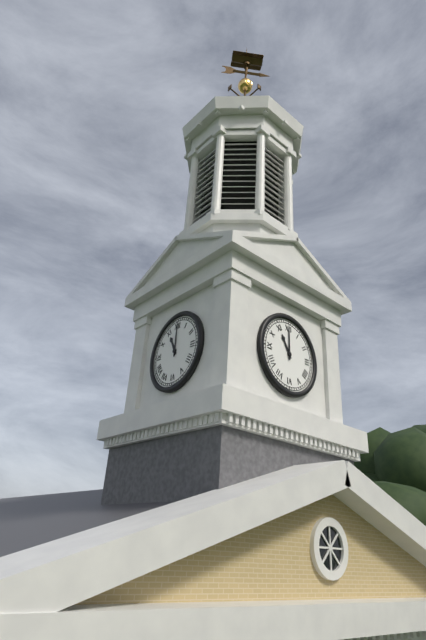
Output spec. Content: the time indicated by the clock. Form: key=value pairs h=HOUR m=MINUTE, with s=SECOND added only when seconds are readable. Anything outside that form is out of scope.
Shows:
h=11 m=0
